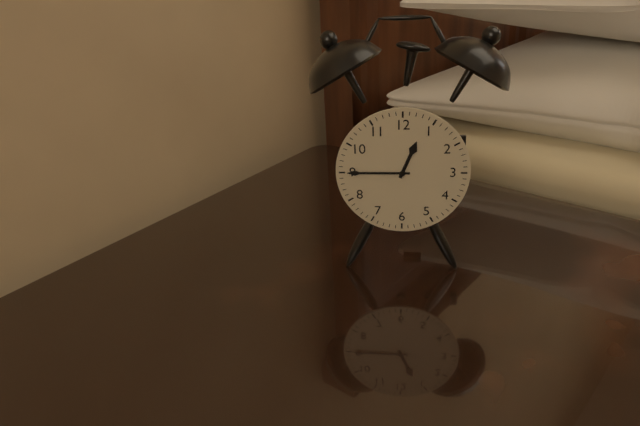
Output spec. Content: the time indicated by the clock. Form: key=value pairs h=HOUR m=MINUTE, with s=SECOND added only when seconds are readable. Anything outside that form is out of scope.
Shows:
h=12 m=45
